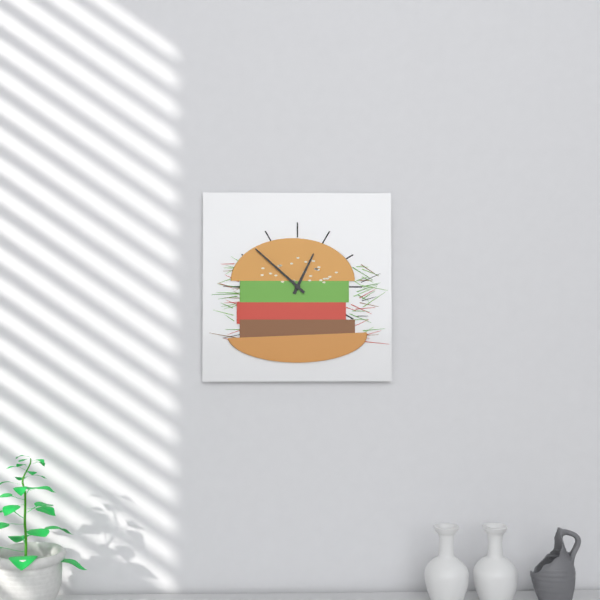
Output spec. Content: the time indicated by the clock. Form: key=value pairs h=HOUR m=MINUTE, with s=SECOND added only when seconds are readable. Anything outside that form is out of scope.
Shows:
h=12 m=52
